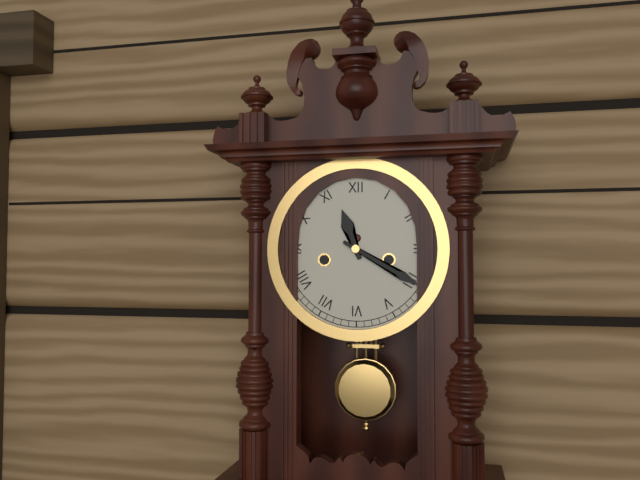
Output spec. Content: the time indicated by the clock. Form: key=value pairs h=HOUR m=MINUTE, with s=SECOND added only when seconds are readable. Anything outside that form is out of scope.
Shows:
h=11 m=20
